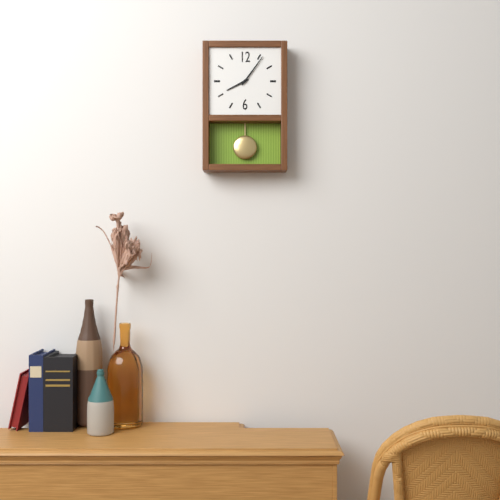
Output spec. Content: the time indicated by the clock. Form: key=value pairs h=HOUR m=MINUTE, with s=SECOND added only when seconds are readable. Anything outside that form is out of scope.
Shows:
h=8 m=6
